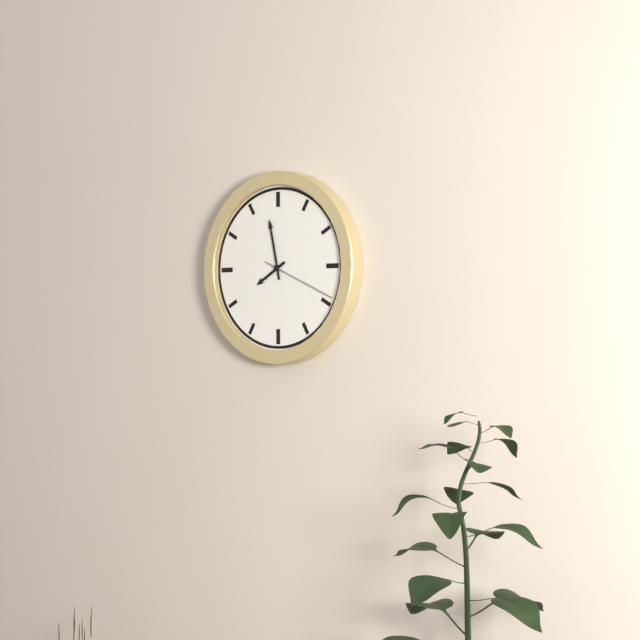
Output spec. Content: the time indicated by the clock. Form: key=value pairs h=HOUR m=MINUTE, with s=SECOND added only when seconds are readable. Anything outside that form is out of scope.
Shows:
h=7 m=58 s=19
